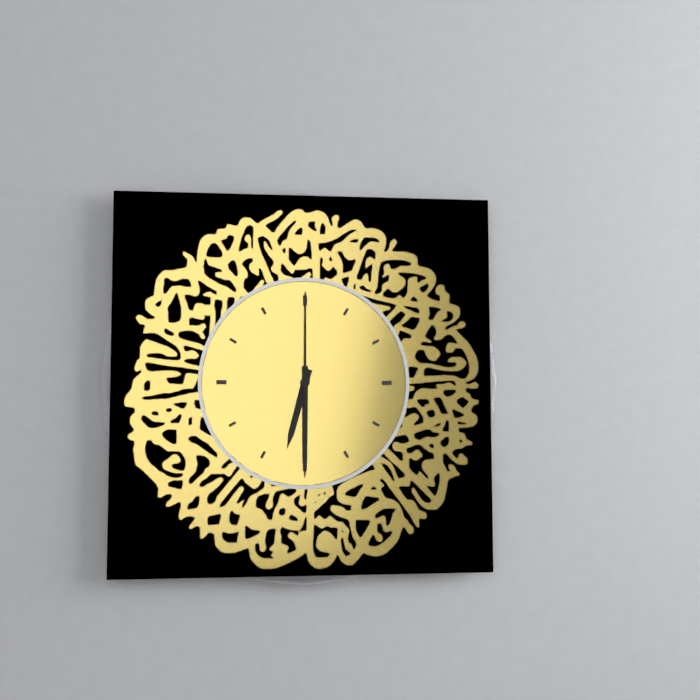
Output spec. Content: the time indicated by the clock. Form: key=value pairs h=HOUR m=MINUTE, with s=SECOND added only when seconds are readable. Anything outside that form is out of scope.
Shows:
h=6 m=30 s=0
